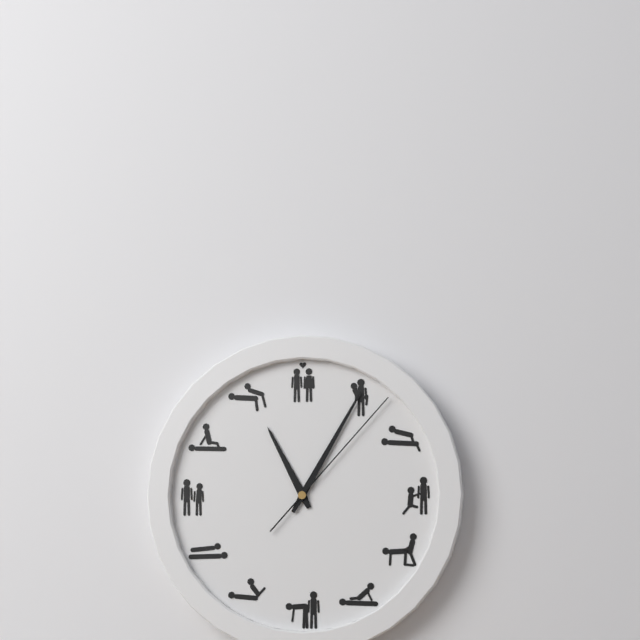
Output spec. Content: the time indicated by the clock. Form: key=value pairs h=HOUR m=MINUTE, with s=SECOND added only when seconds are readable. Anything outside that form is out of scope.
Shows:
h=11 m=5 s=7
